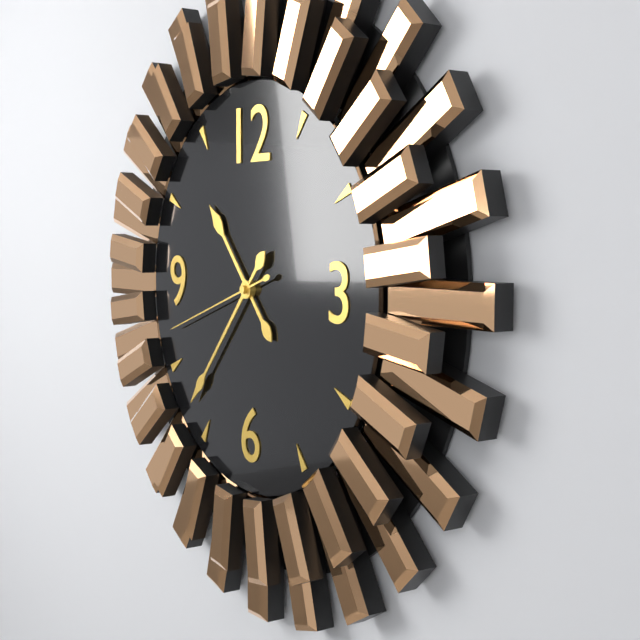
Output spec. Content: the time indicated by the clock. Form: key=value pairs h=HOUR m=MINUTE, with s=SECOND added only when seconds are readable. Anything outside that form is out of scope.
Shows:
h=10 m=37 s=42
